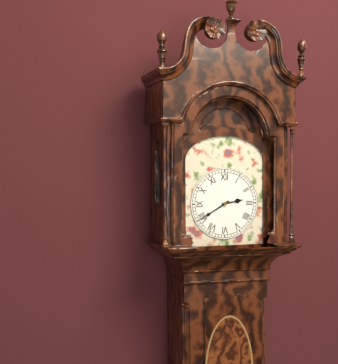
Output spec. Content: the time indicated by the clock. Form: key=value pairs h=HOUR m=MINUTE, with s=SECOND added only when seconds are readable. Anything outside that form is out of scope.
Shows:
h=2 m=40
